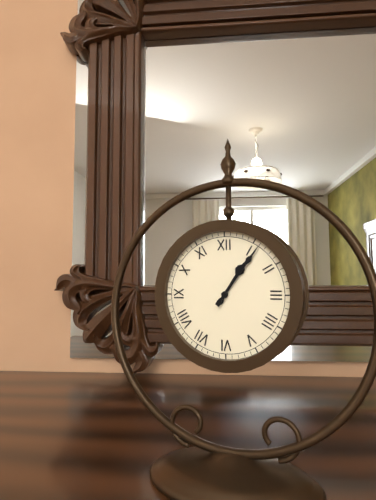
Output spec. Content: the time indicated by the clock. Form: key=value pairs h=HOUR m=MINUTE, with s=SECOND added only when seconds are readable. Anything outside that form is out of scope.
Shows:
h=1 m=6
